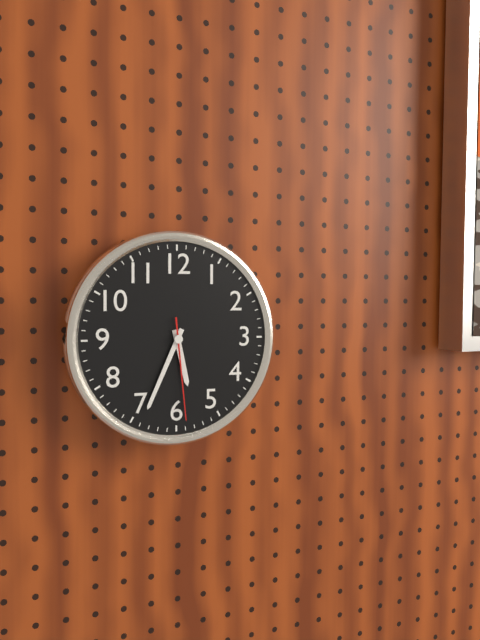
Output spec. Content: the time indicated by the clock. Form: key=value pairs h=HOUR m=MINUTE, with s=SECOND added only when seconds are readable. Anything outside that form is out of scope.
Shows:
h=5 m=34 s=29
